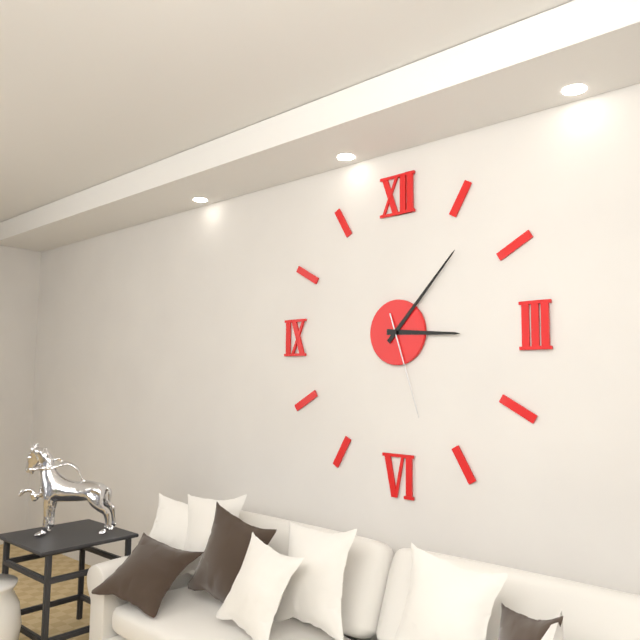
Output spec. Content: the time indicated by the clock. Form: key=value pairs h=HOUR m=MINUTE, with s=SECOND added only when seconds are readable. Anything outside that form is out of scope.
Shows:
h=3 m=7 s=27
